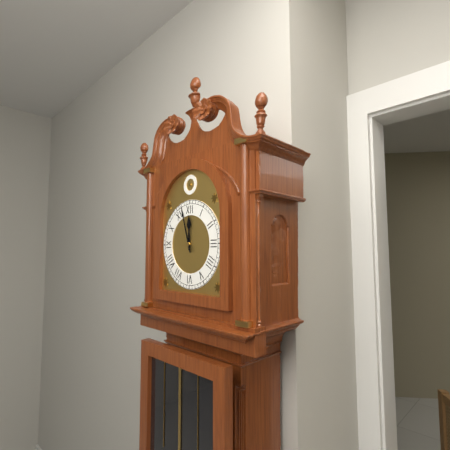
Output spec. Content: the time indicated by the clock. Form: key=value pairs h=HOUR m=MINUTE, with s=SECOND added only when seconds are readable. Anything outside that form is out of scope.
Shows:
h=11 m=57
